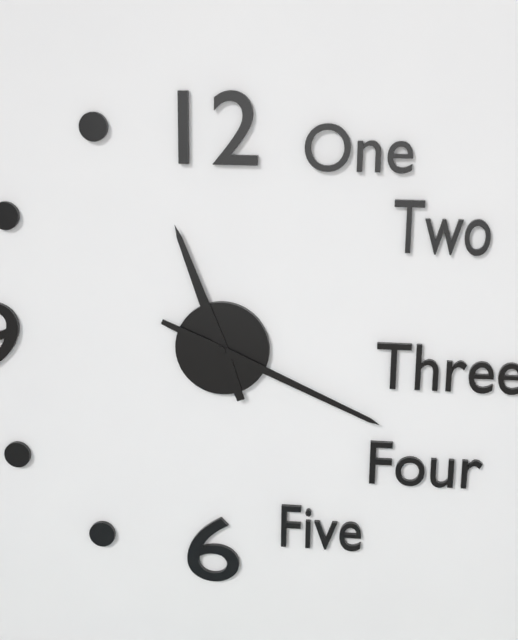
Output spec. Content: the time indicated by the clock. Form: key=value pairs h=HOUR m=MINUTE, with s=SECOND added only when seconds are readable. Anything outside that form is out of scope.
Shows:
h=11 m=19
